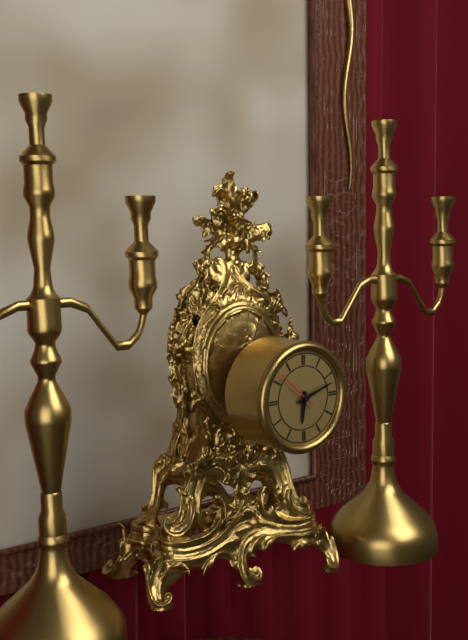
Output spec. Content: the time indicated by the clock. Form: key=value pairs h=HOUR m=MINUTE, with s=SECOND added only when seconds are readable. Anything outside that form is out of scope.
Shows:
h=6 m=12
